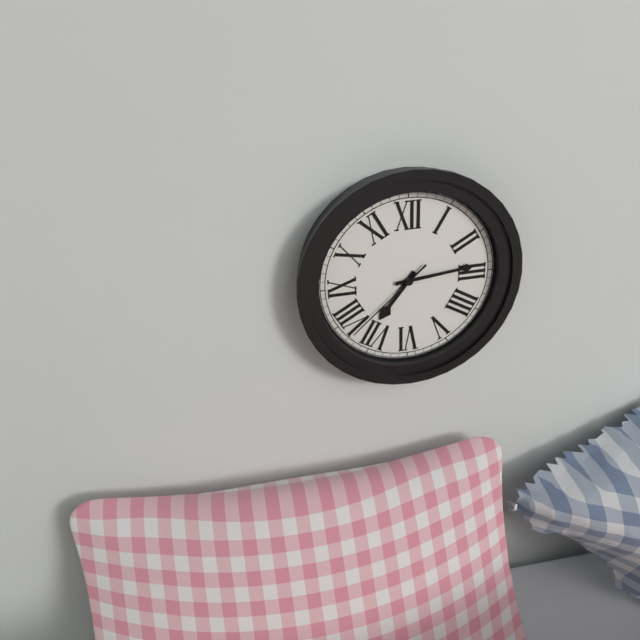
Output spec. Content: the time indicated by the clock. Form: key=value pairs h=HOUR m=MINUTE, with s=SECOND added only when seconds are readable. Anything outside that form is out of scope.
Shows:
h=7 m=14 s=38
